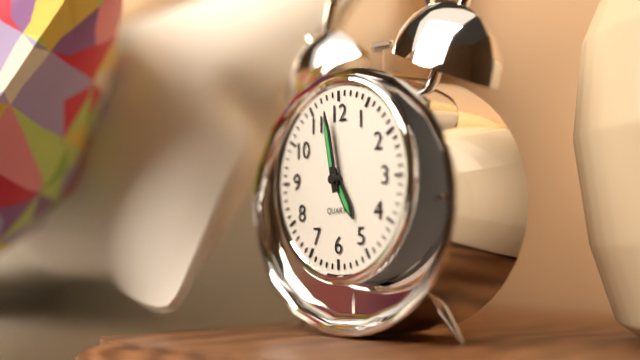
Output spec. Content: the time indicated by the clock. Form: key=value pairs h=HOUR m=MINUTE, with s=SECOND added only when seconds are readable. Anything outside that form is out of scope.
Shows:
h=4 m=58
